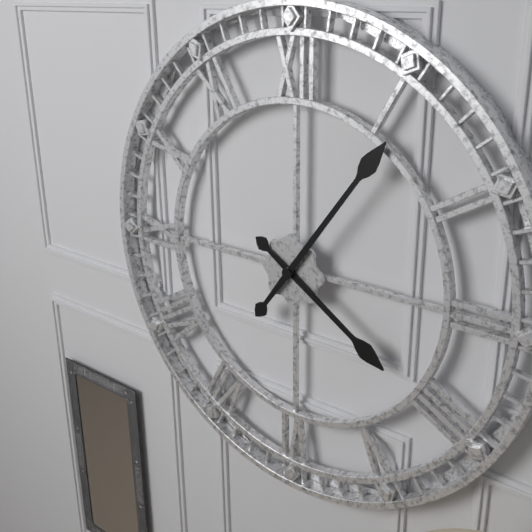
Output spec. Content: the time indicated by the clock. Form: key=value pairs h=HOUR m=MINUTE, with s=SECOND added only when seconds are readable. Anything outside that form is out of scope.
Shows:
h=4 m=6
